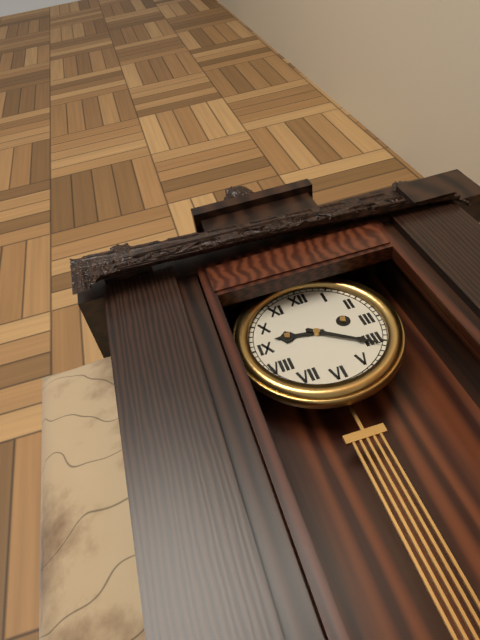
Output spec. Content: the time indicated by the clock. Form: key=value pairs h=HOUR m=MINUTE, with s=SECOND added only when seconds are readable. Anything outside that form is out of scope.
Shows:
h=9 m=21
